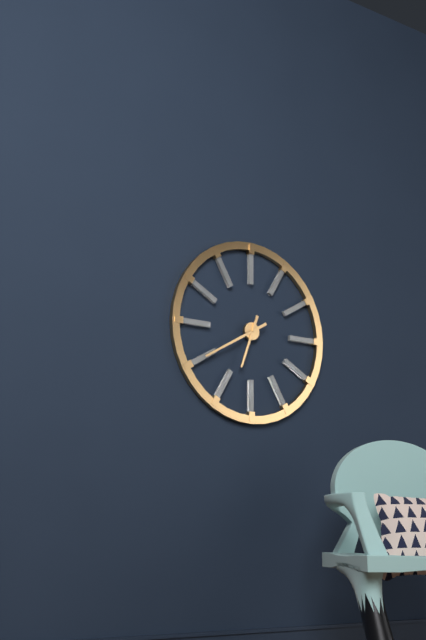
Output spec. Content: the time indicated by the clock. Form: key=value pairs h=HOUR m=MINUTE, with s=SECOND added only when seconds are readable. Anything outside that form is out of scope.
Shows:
h=6 m=40
